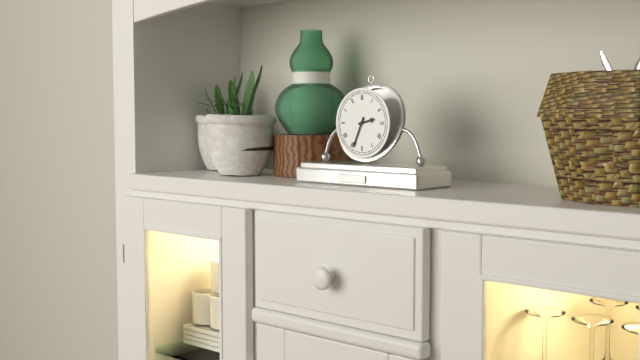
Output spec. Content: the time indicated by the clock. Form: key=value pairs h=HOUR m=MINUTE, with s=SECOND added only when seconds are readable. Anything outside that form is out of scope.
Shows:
h=2 m=34
